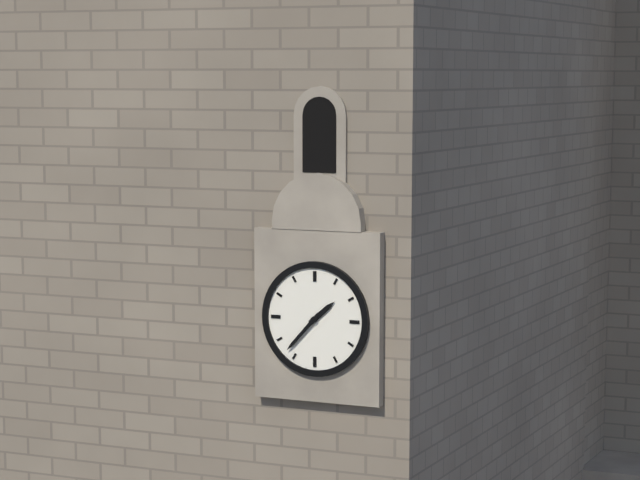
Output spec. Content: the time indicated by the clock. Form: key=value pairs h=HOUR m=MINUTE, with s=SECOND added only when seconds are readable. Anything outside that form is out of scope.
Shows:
h=1 m=37
